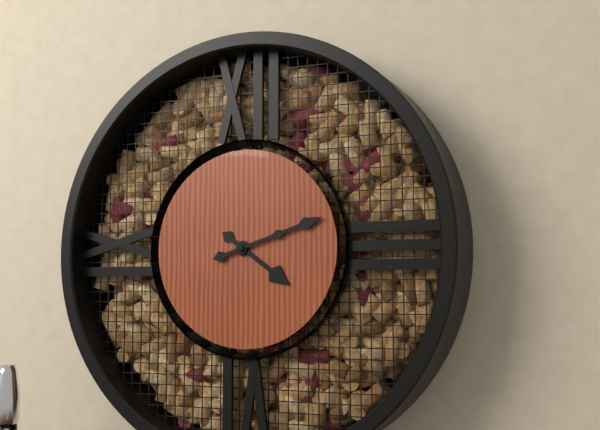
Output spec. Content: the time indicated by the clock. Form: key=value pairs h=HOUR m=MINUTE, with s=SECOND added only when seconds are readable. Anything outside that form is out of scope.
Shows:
h=4 m=12
